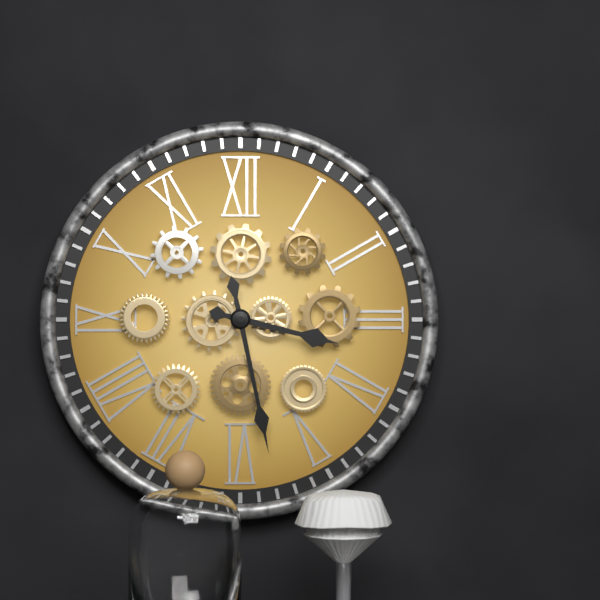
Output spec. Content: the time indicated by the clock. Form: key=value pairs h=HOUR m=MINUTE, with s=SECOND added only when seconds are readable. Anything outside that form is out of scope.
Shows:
h=3 m=28
